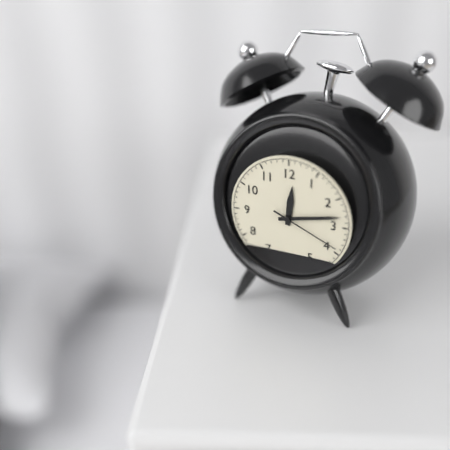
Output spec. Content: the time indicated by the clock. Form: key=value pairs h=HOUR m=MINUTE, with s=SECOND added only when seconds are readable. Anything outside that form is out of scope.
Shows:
h=12 m=13 s=19
